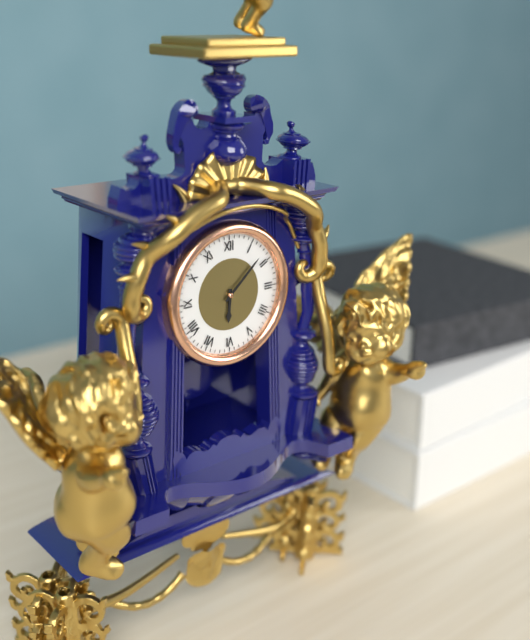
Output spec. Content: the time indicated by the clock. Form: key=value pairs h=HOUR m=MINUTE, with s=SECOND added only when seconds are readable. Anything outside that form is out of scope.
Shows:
h=6 m=8
